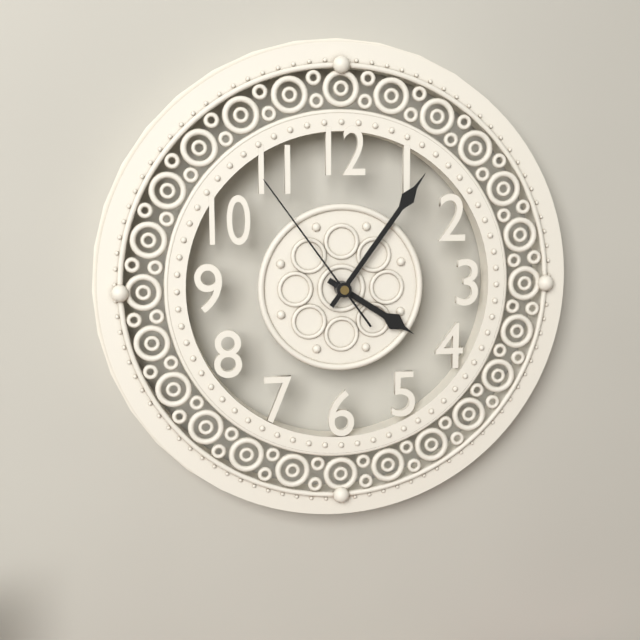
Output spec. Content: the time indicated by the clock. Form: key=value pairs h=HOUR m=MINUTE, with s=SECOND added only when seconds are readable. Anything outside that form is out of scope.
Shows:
h=4 m=6 s=54
